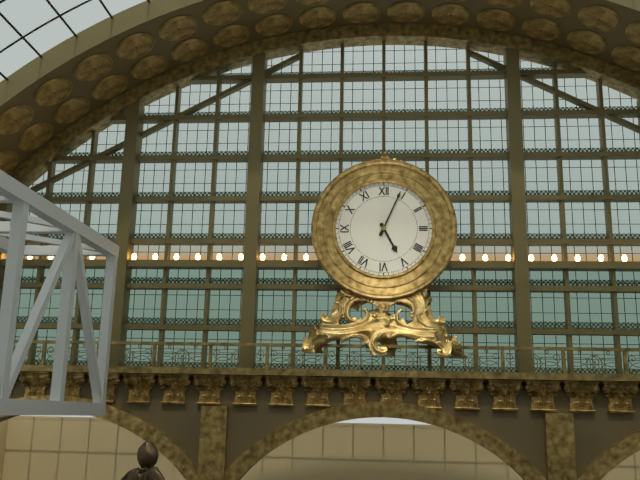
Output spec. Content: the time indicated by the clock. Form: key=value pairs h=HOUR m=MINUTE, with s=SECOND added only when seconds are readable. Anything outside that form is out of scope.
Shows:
h=5 m=4
